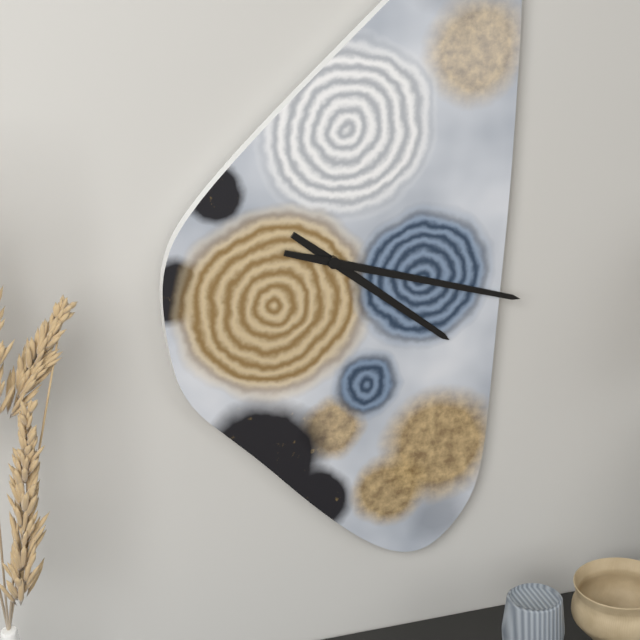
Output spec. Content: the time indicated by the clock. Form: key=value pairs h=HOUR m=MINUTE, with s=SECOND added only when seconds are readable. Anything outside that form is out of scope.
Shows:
h=4 m=18
